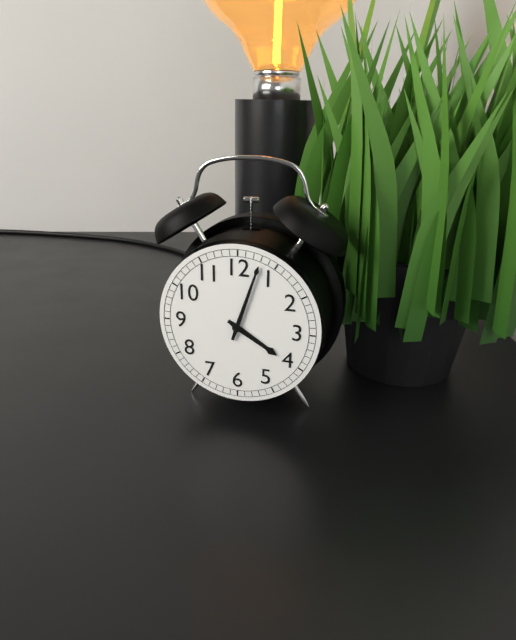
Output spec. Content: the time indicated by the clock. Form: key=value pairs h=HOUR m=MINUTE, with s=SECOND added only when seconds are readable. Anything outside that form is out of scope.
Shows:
h=4 m=3
